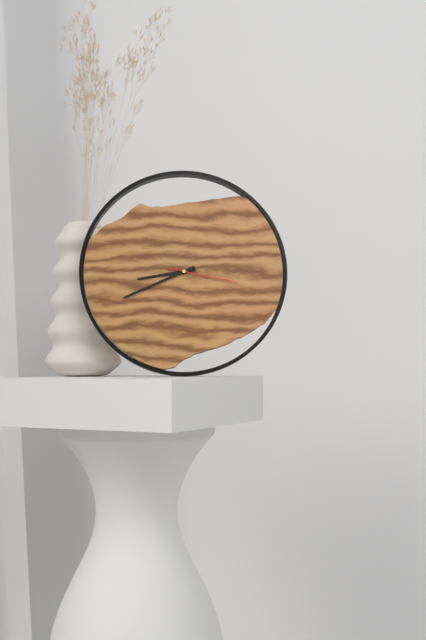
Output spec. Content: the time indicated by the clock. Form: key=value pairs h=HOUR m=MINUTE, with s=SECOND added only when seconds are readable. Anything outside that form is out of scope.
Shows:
h=8 m=41 s=17
